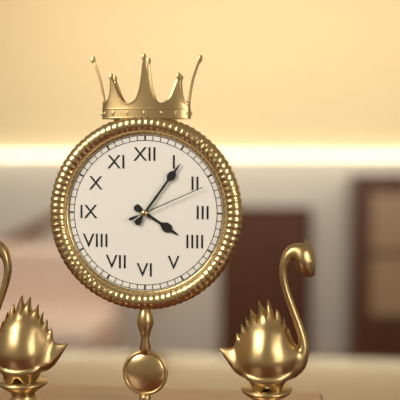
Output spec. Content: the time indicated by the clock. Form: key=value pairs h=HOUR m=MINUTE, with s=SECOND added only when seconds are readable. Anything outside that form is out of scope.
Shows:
h=4 m=6 s=11
